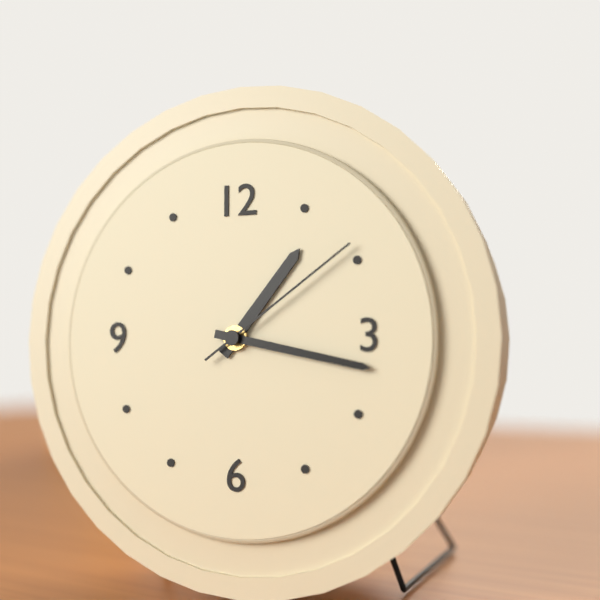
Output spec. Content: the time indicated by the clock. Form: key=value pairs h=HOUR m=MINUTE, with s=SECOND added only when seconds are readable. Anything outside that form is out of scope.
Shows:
h=1 m=17 s=9
